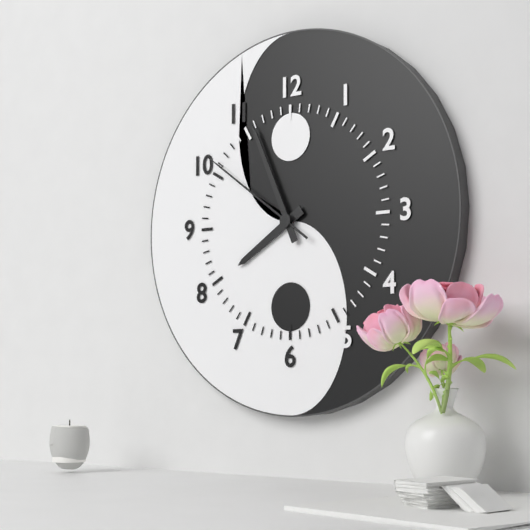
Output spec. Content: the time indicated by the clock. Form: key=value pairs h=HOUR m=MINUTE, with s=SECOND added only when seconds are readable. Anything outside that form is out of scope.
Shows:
h=7 m=56 s=51
